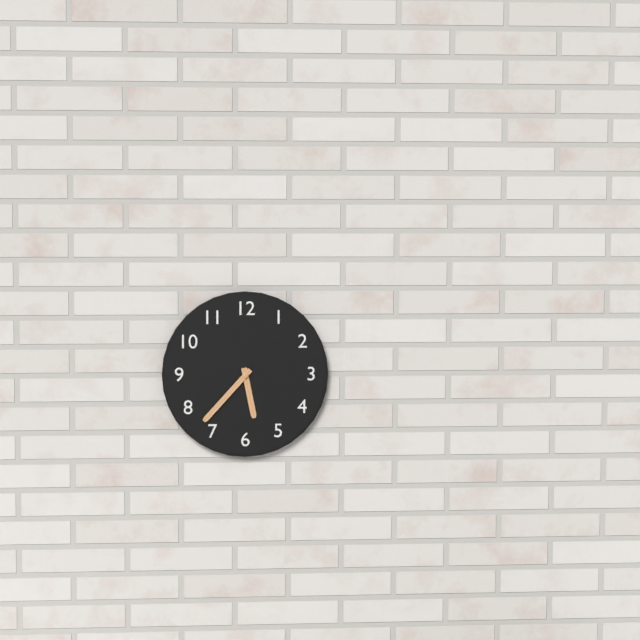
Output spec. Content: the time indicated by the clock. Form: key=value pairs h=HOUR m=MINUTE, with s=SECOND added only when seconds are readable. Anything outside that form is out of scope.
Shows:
h=5 m=37
